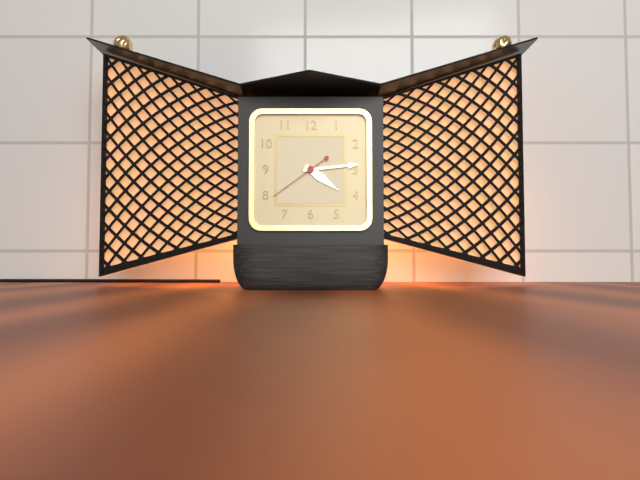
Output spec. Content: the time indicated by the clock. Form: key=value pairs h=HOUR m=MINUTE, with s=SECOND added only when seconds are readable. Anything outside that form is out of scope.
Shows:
h=4 m=14 s=39
